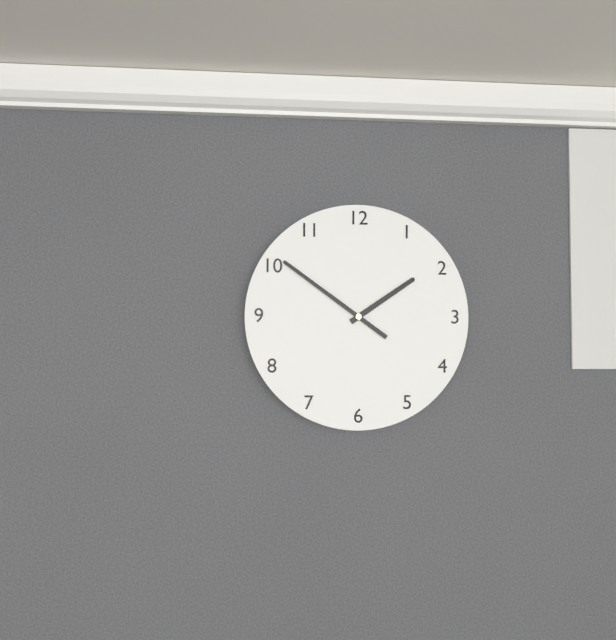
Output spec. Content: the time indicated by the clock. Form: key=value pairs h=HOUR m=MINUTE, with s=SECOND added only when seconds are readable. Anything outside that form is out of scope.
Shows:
h=1 m=51
